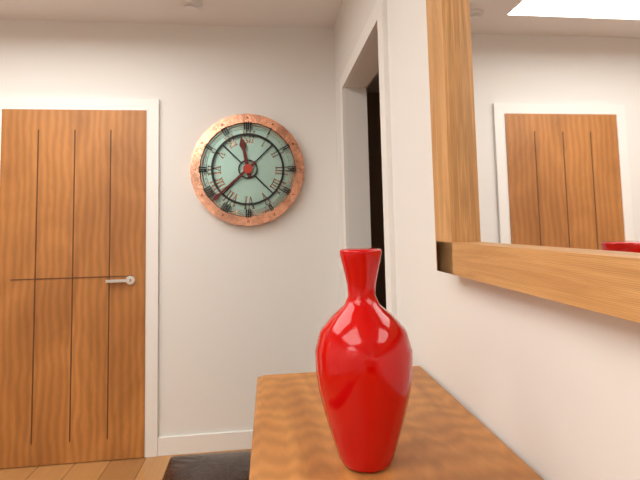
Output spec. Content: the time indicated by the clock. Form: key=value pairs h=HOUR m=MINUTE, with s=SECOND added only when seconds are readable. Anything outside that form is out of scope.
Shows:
h=11 m=38
